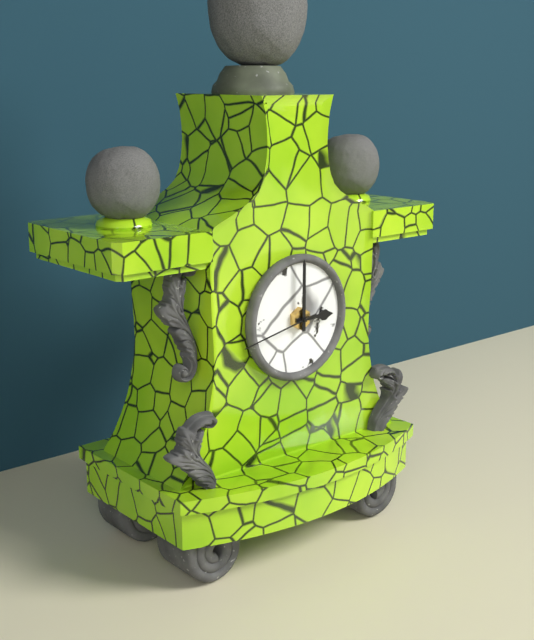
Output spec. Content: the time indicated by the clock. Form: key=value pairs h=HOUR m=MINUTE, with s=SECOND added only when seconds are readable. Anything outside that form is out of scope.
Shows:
h=3 m=0 s=43
